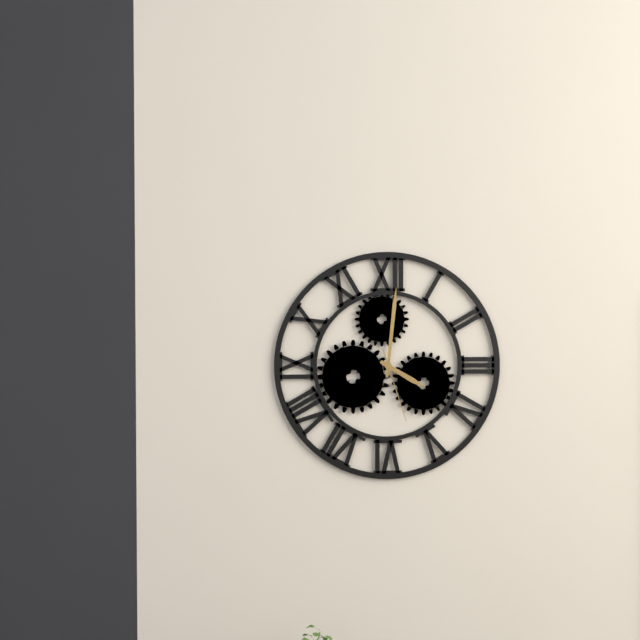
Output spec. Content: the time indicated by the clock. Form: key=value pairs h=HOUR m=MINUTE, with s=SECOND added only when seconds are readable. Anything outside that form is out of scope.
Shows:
h=4 m=1 s=27
